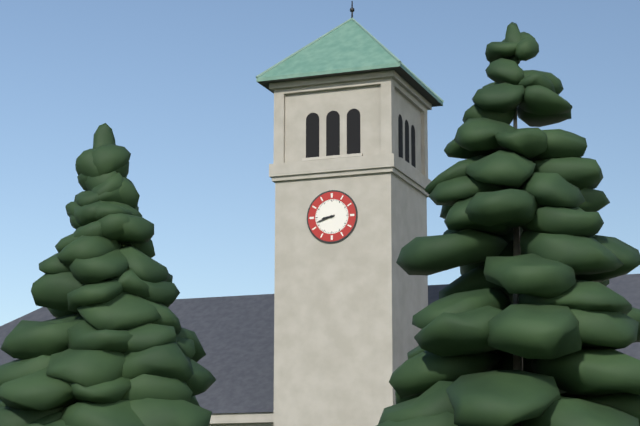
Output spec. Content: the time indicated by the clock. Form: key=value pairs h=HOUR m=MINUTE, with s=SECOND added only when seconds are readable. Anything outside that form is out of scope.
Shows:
h=8 m=42
